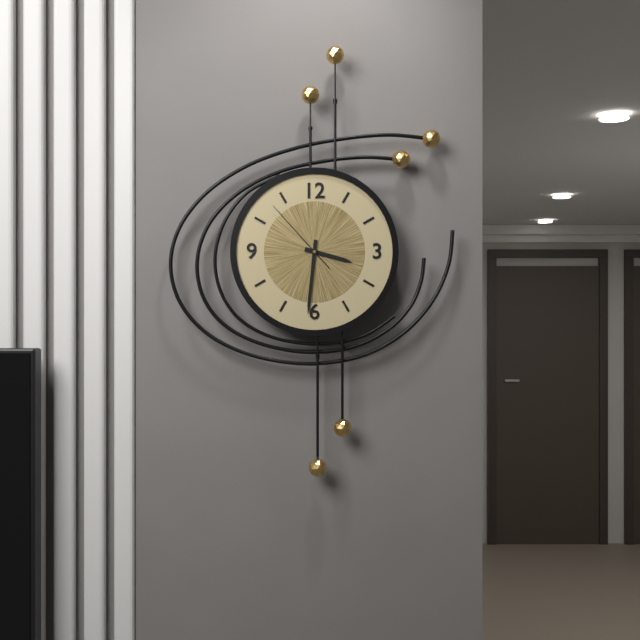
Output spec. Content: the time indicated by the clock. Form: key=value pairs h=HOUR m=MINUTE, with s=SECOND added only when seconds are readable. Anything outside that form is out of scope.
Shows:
h=3 m=31 s=53
